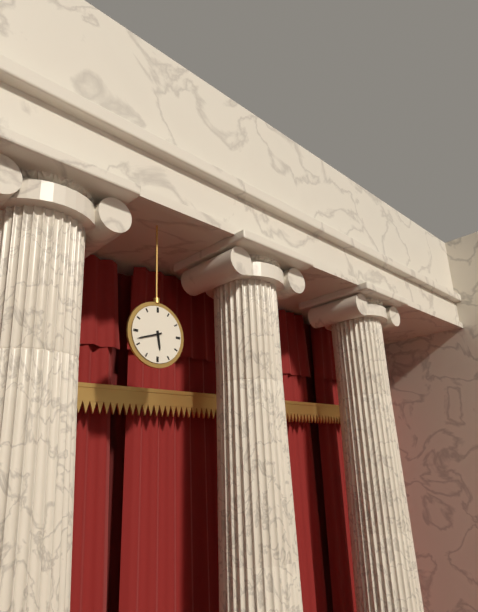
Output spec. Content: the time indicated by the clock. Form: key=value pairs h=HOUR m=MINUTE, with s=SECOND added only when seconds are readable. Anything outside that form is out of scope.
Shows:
h=5 m=42
